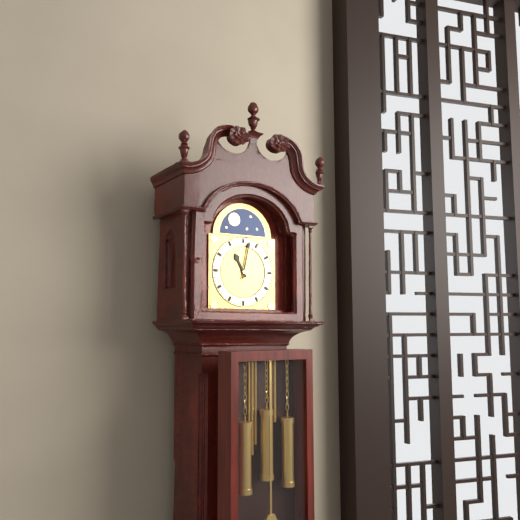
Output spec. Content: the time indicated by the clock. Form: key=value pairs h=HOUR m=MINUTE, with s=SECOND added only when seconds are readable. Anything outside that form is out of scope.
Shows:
h=11 m=2
